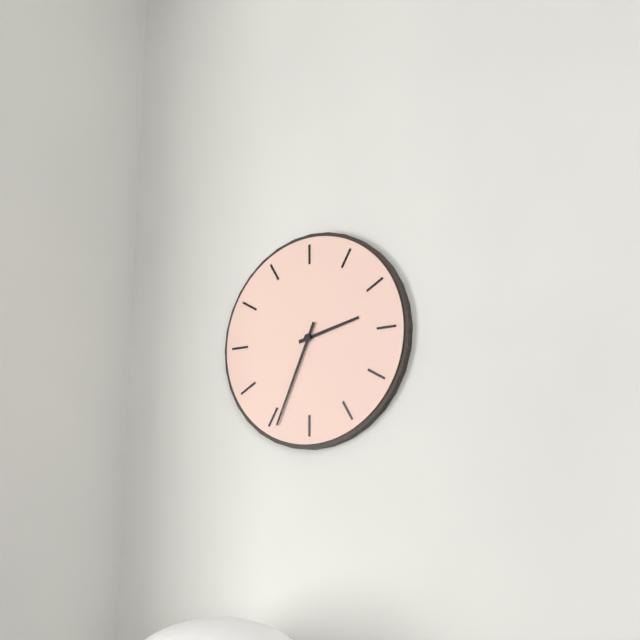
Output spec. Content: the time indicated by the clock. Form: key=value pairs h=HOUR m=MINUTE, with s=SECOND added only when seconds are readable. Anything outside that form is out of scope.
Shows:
h=2 m=34
